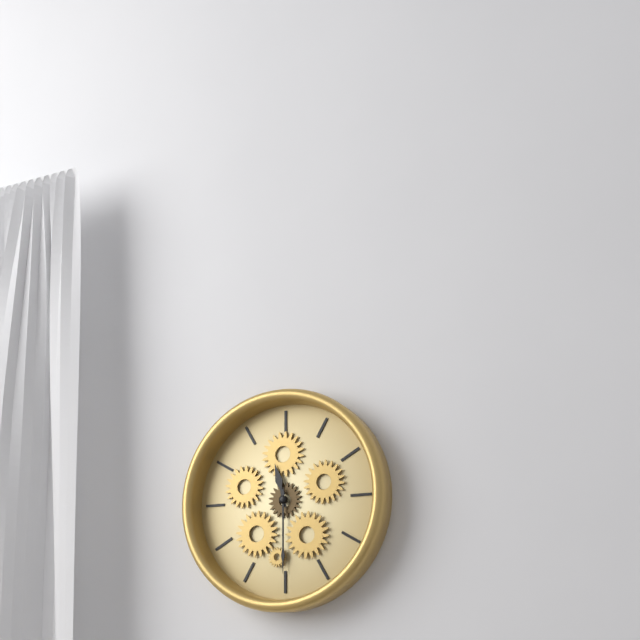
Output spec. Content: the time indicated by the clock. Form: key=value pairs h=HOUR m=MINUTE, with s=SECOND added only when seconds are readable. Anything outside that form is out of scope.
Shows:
h=11 m=30
